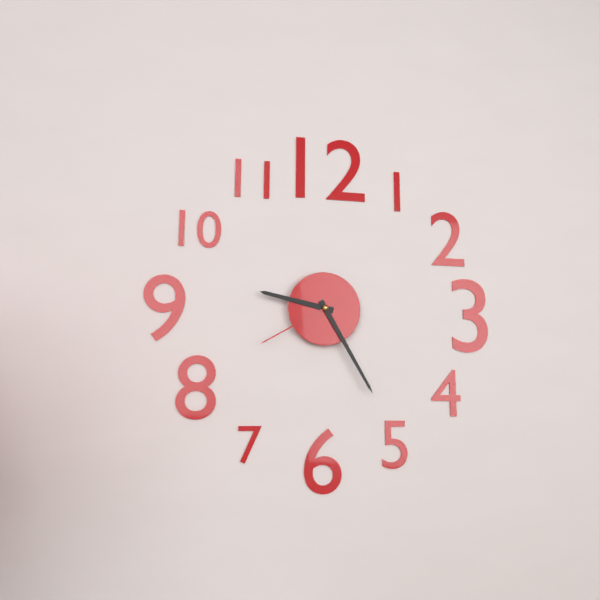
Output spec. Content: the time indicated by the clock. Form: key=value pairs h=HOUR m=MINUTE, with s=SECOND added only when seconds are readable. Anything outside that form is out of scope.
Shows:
h=9 m=25 s=40
